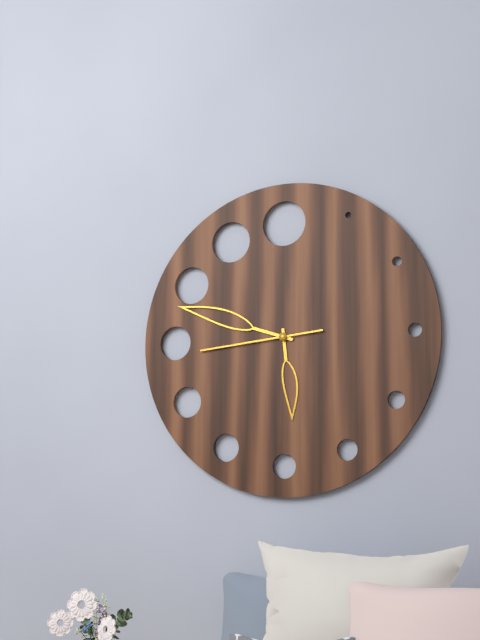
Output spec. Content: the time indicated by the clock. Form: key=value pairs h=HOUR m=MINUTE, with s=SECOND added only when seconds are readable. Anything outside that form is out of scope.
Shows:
h=5 m=48 s=44
